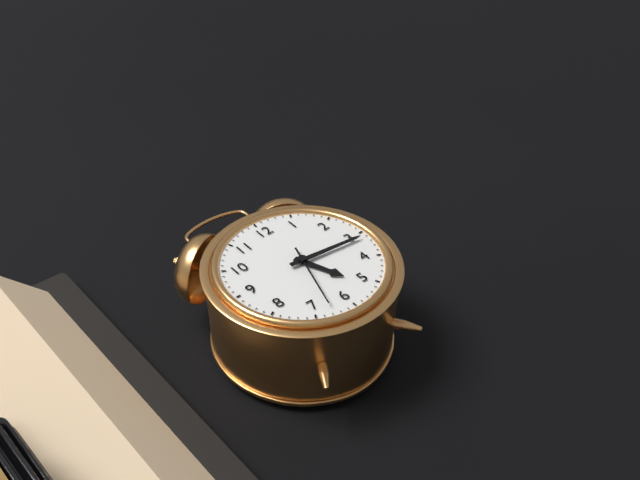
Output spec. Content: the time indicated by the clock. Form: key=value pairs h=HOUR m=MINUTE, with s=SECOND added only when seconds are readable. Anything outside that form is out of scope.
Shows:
h=5 m=16 s=33
